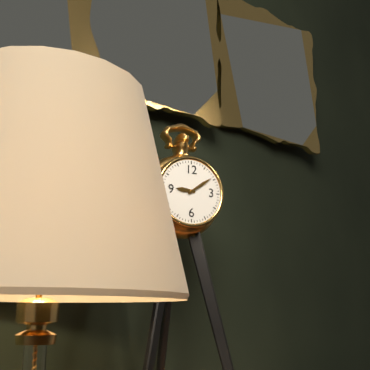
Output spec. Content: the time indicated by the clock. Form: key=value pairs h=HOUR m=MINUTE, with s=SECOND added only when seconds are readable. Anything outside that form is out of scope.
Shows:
h=9 m=9
